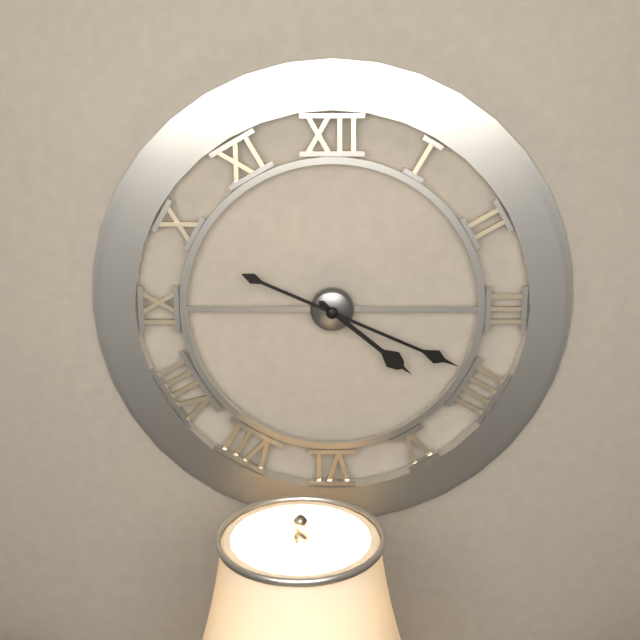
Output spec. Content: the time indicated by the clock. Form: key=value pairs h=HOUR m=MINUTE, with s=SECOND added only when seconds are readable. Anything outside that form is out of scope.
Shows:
h=4 m=19
